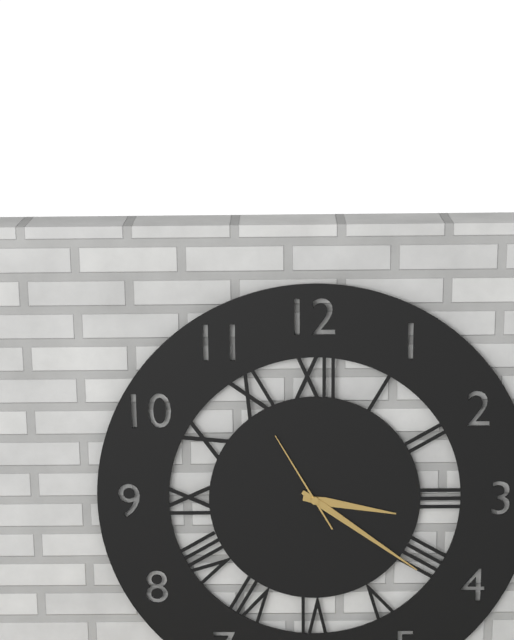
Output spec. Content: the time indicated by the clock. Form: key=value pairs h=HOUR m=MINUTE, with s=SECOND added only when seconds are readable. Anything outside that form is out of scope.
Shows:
h=3 m=21 s=55
